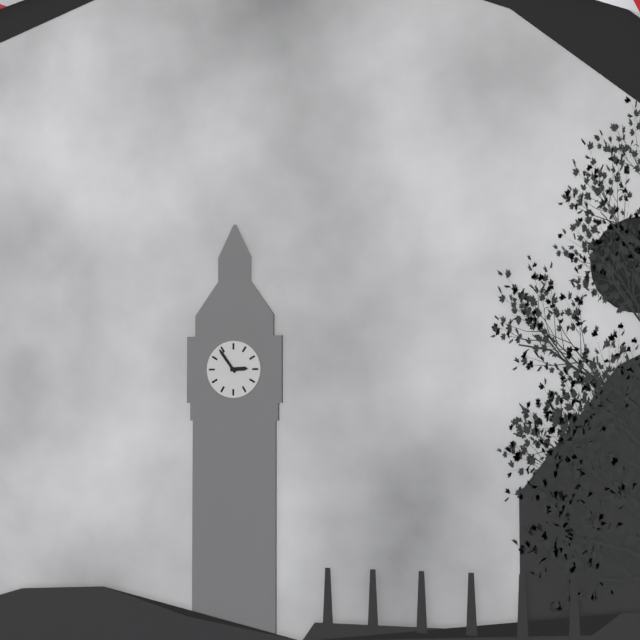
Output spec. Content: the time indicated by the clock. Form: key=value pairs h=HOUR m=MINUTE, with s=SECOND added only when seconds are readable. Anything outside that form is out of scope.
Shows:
h=2 m=54
